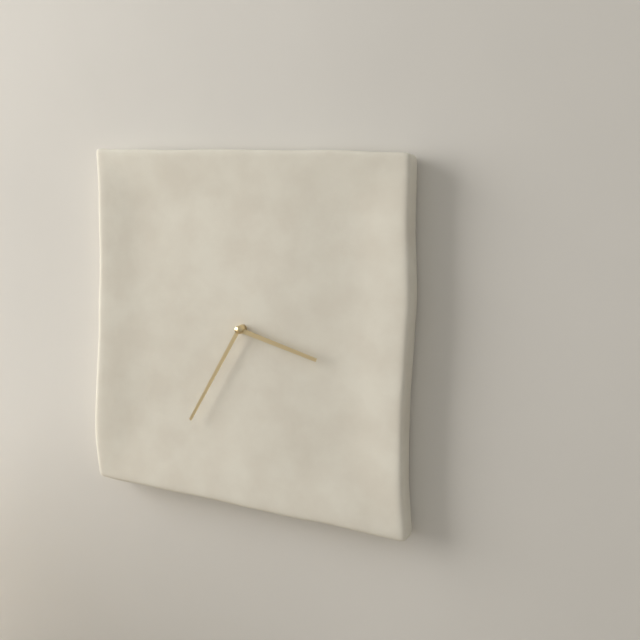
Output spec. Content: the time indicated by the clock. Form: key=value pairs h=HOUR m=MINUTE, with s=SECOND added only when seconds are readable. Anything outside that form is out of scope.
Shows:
h=3 m=35
